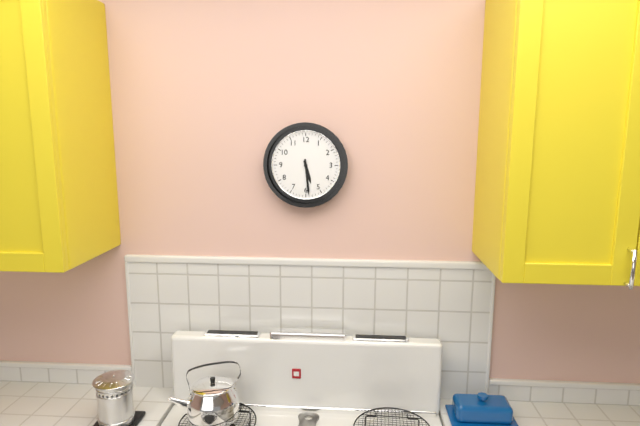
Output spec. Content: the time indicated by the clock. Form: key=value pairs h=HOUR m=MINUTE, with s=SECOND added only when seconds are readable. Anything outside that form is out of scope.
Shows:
h=5 m=29
